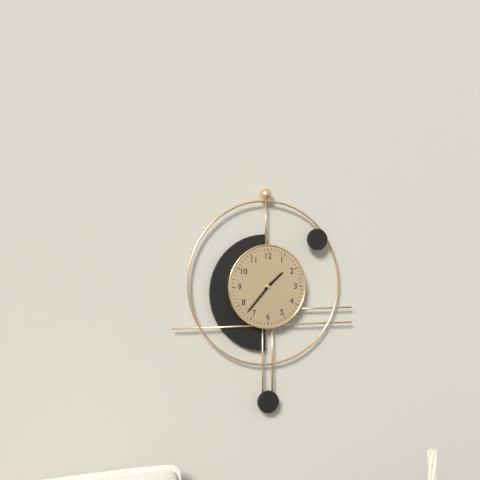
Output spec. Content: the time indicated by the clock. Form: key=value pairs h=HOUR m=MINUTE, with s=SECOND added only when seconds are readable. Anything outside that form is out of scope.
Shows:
h=1 m=37
